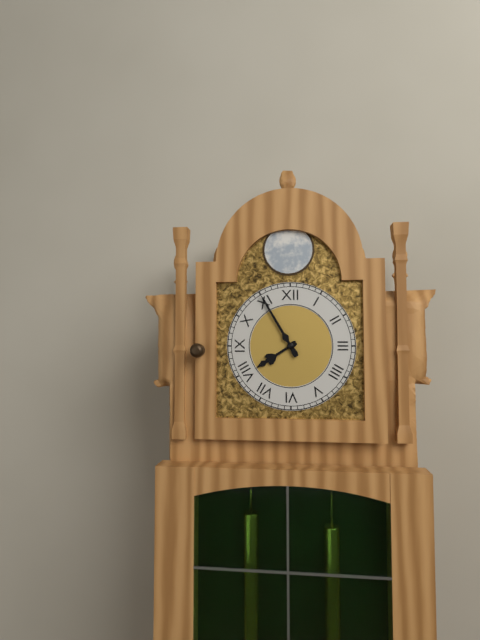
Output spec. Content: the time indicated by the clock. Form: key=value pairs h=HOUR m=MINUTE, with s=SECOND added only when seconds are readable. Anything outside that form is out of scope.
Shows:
h=7 m=55
